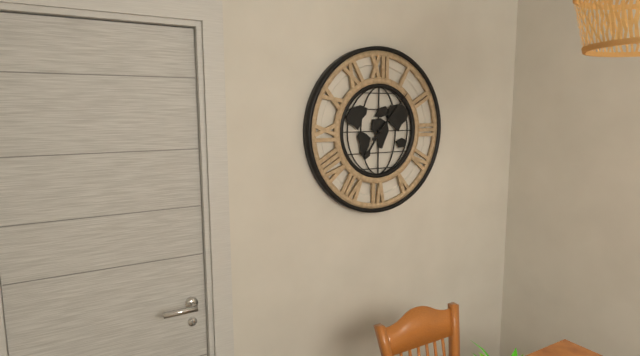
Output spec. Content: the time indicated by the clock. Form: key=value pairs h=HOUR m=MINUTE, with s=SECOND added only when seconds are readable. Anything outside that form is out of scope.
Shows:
h=7 m=7
